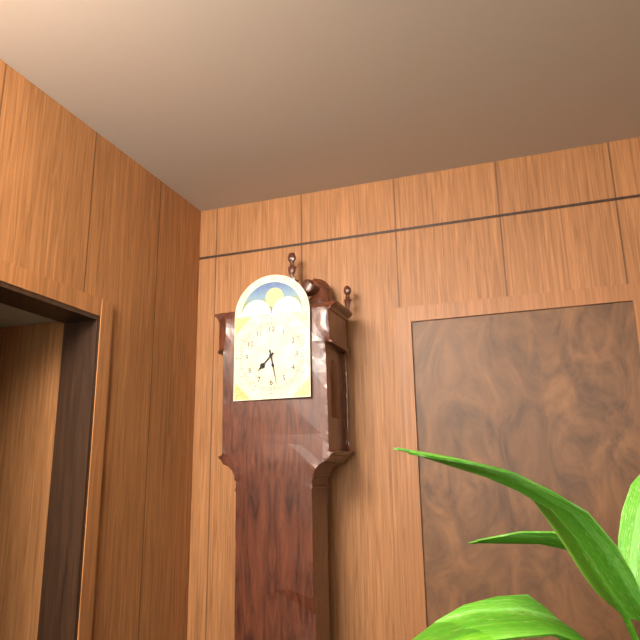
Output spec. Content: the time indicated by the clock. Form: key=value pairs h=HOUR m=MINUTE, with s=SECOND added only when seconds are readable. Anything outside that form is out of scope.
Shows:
h=7 m=28
